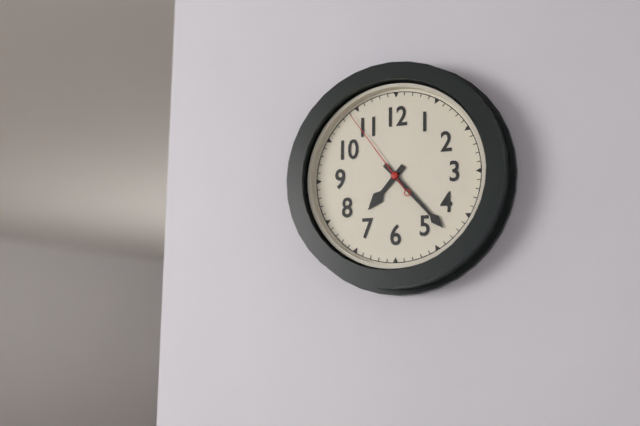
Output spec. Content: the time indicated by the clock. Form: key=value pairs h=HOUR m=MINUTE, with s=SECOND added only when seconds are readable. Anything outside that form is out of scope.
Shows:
h=7 m=23 s=54
